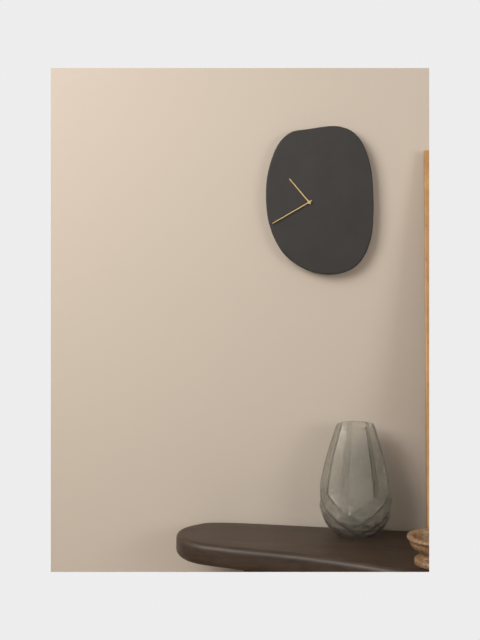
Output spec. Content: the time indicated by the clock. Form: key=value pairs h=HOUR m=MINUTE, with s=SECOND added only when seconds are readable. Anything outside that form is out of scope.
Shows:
h=10 m=40
